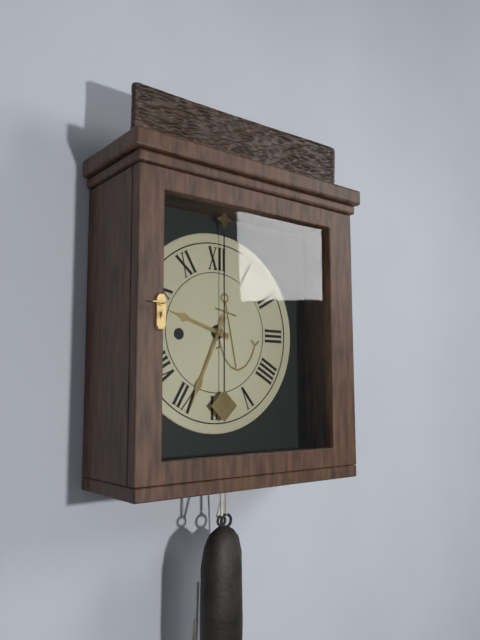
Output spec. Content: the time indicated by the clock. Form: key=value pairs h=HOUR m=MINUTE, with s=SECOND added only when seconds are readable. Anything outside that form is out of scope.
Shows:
h=9 m=34
